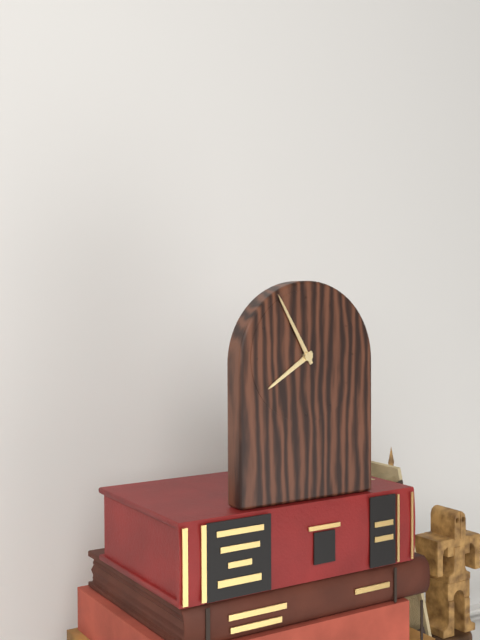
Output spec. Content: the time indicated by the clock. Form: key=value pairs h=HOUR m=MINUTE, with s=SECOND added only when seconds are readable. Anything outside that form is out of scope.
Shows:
h=7 m=55
